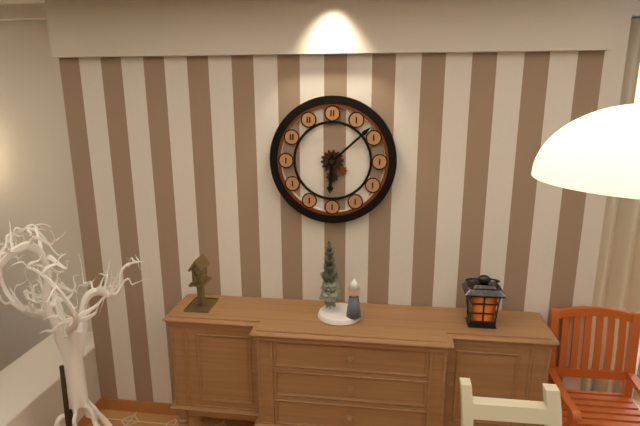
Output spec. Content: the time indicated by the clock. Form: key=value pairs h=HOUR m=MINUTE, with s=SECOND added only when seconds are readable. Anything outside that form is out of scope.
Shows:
h=6 m=8
